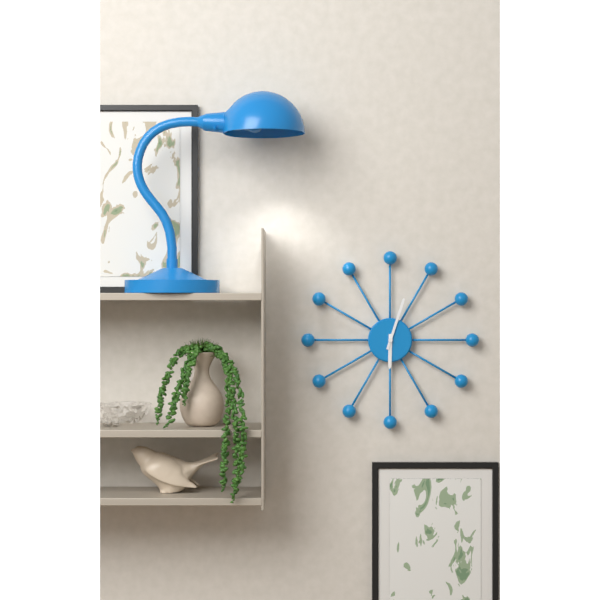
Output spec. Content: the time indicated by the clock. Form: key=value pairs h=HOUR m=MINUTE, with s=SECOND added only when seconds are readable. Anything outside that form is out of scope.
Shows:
h=6 m=3
